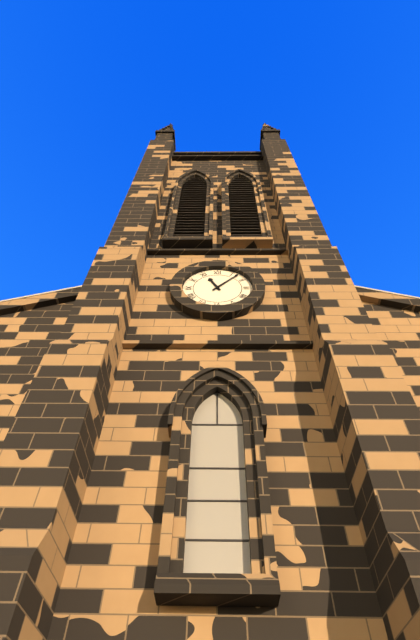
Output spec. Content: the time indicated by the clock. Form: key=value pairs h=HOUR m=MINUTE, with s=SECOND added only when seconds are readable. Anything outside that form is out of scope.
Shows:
h=11 m=7
